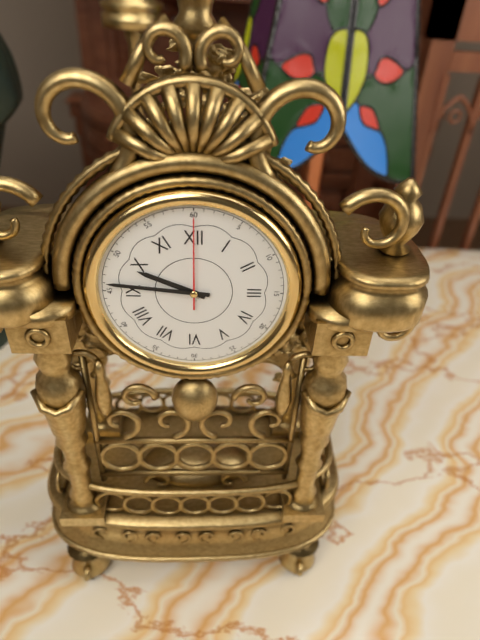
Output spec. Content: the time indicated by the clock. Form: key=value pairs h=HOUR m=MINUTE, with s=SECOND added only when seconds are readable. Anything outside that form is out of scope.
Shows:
h=9 m=46 s=0
